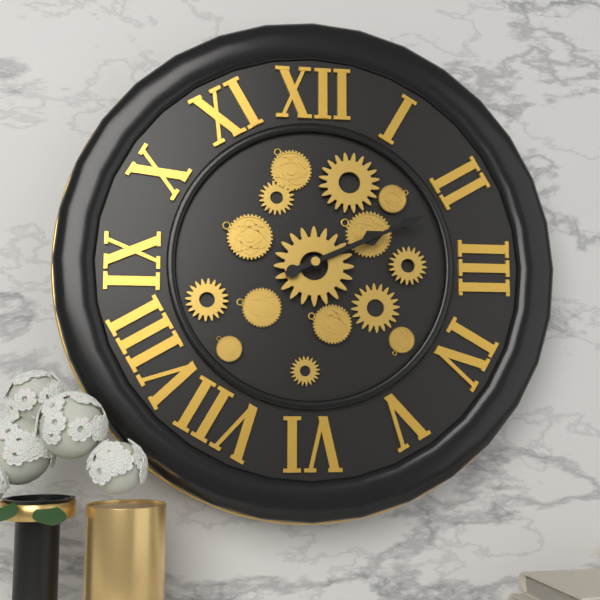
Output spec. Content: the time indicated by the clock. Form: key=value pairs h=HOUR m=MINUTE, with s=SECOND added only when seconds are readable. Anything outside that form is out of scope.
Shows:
h=2 m=11
